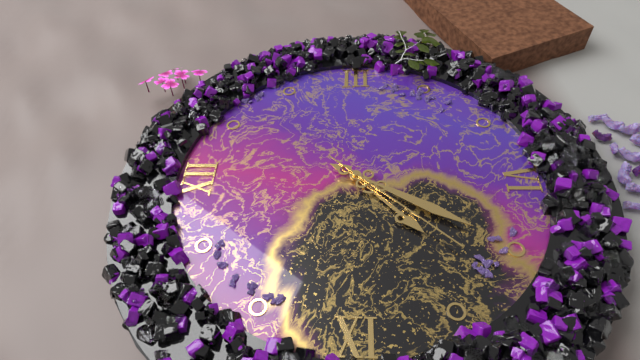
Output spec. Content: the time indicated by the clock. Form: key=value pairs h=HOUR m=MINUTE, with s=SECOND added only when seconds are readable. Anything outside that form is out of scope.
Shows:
h=7 m=35 s=37
